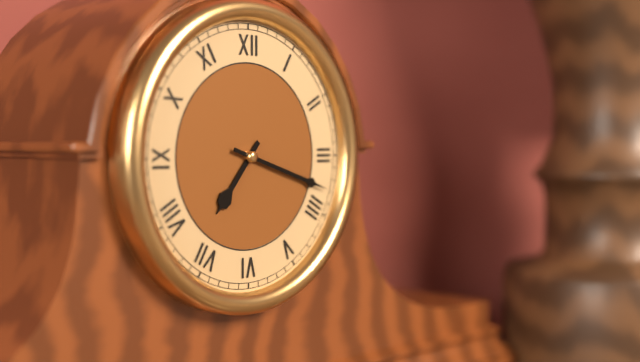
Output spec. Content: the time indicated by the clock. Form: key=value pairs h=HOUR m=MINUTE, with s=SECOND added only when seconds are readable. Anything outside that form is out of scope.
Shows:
h=7 m=18
